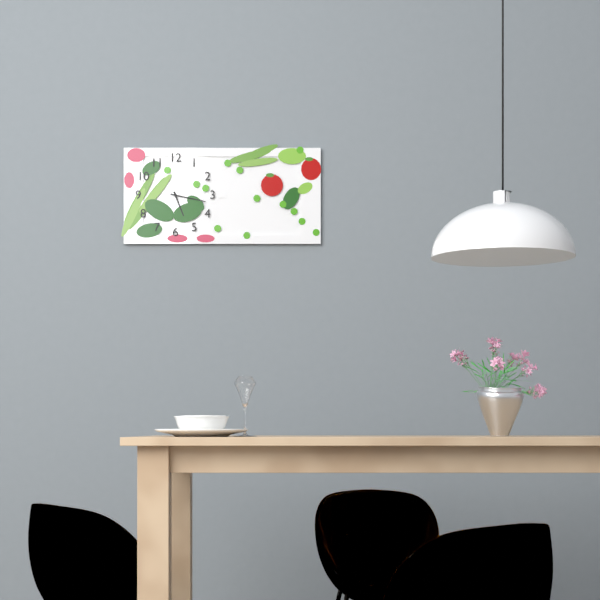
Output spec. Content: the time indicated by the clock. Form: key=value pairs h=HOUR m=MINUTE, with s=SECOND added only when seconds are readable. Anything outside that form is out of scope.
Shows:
h=5 m=17
